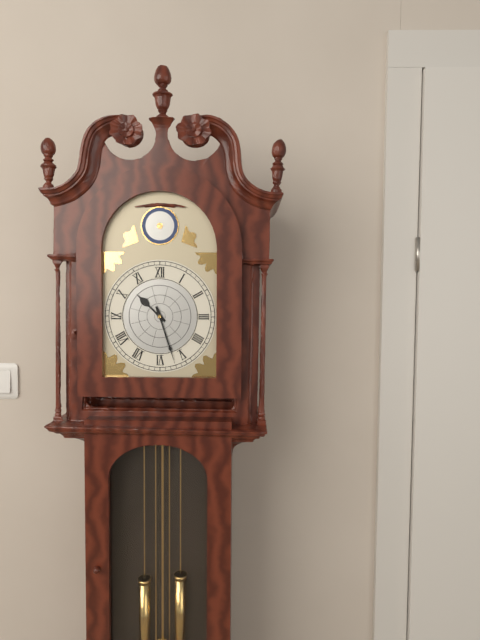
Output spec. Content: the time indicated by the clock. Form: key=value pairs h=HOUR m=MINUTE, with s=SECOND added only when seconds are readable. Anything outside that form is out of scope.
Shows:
h=10 m=27
